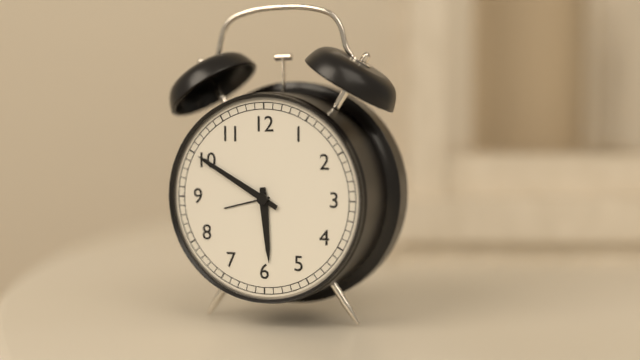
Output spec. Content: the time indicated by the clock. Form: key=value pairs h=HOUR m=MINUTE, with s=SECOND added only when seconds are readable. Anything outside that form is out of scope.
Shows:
h=5 m=50
